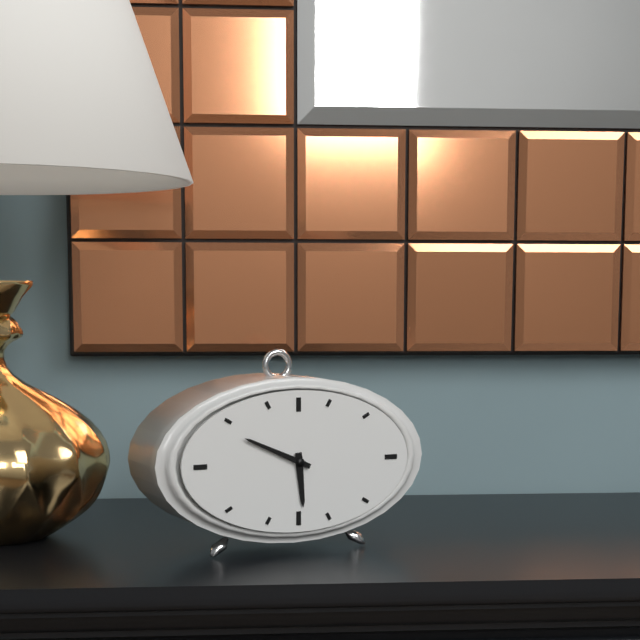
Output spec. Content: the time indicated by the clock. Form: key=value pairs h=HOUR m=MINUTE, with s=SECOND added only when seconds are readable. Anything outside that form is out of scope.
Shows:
h=5 m=49
